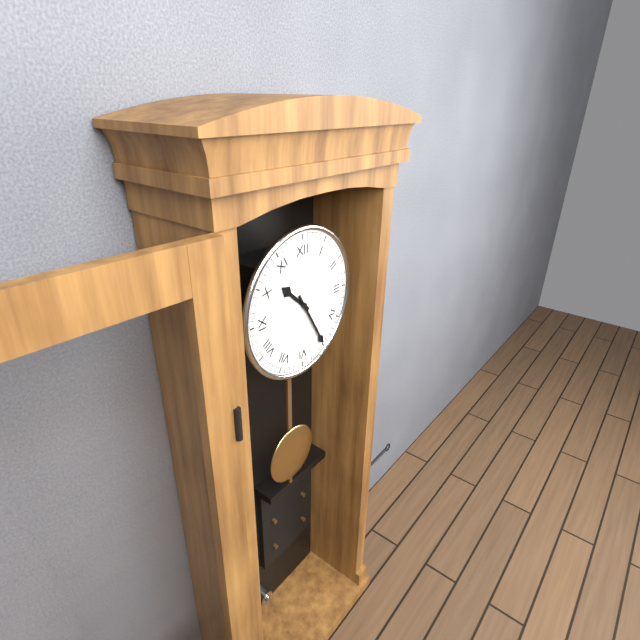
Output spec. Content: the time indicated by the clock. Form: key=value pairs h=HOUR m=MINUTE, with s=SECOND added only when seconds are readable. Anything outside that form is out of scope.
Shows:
h=10 m=25
